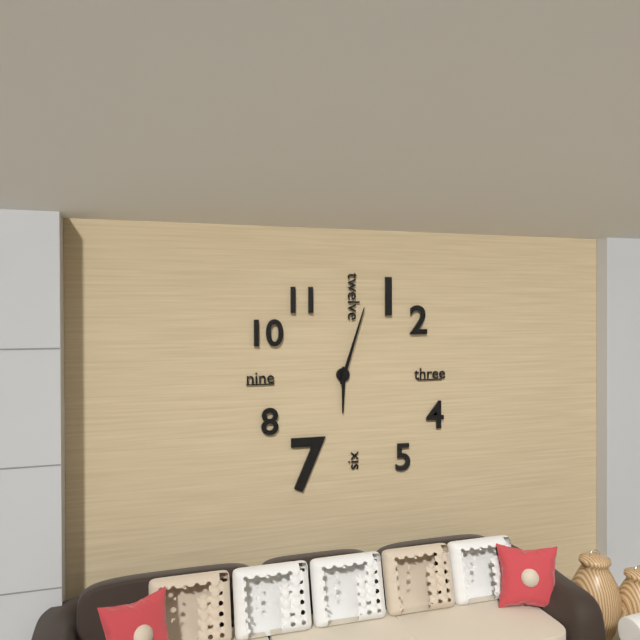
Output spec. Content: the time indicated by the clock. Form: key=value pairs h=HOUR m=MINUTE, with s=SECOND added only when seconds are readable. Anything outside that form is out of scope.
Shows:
h=6 m=3
